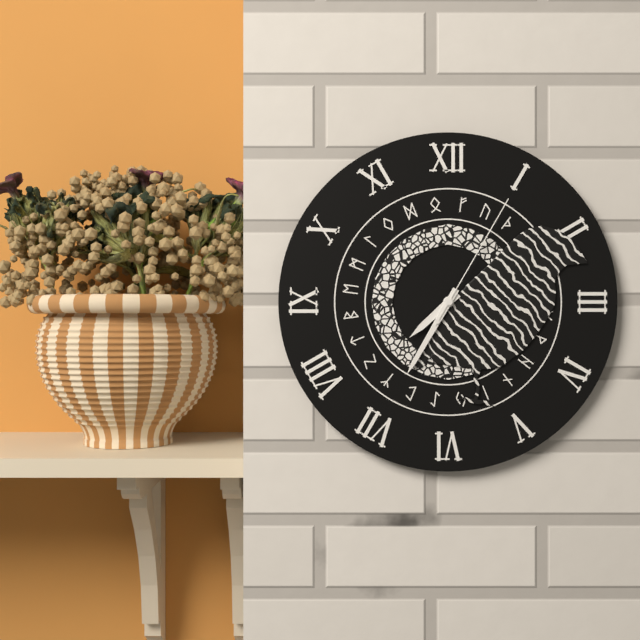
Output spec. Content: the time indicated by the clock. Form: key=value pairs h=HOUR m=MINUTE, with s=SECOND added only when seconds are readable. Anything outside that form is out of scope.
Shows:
h=7 m=35 s=5
